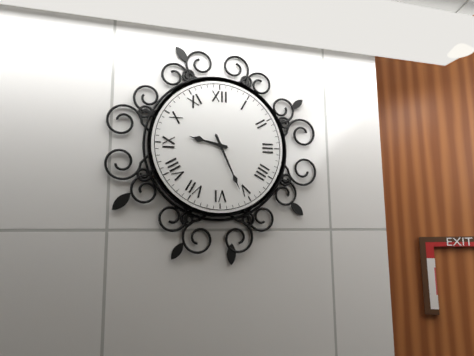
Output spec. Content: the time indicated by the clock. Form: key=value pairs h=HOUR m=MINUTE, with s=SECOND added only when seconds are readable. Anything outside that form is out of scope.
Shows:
h=9 m=26
